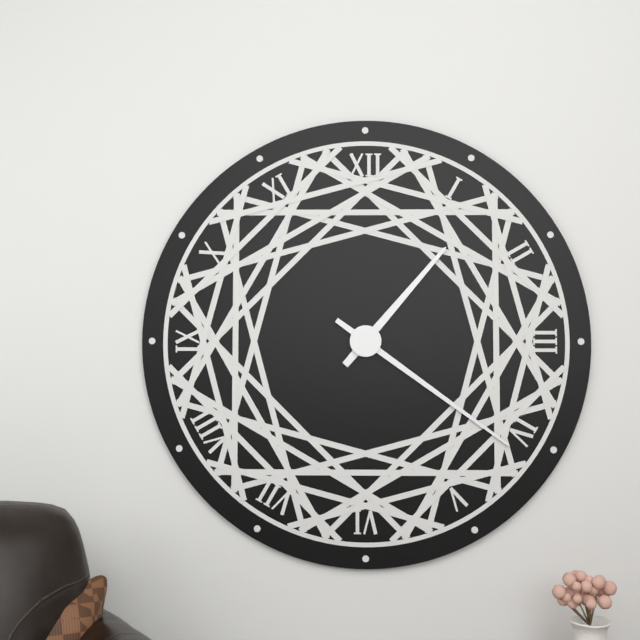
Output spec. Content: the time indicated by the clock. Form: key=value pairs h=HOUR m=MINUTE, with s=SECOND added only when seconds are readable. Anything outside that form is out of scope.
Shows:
h=1 m=21
